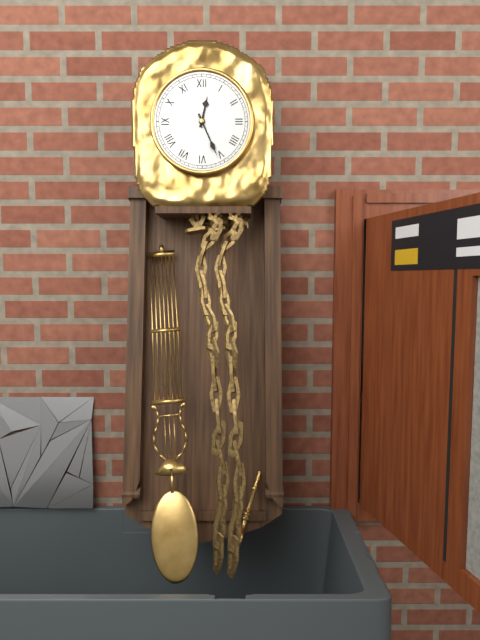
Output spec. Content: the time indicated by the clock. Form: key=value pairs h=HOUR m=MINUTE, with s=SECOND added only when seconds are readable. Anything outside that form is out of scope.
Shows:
h=12 m=26
